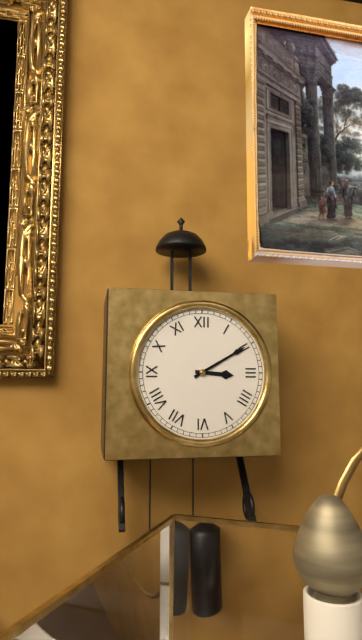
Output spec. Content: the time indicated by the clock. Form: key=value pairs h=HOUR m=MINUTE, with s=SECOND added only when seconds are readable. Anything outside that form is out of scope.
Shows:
h=3 m=10
